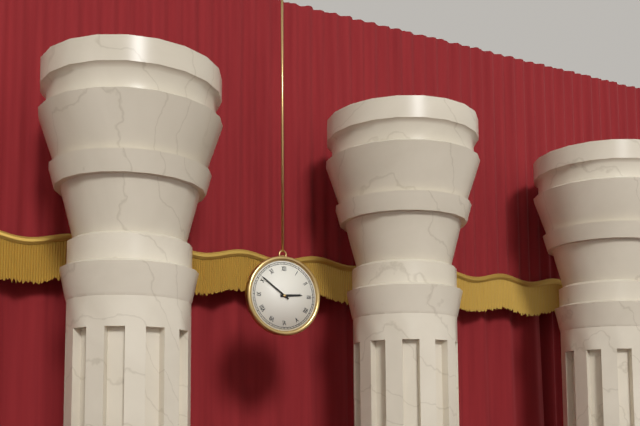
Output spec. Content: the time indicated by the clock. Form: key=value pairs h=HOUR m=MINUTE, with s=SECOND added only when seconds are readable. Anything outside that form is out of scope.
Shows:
h=2 m=51
